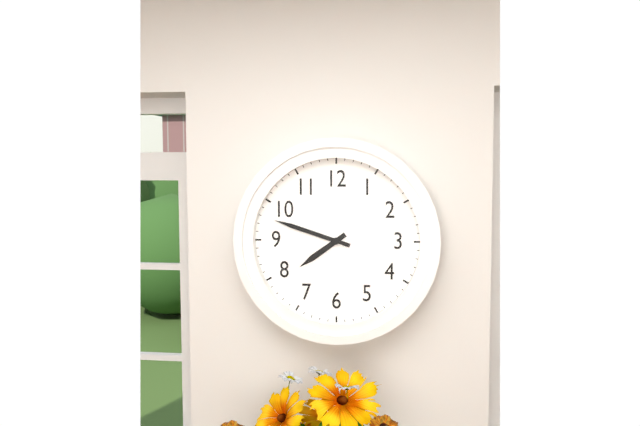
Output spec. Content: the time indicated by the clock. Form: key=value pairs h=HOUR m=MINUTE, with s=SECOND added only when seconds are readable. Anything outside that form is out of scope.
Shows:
h=7 m=48
